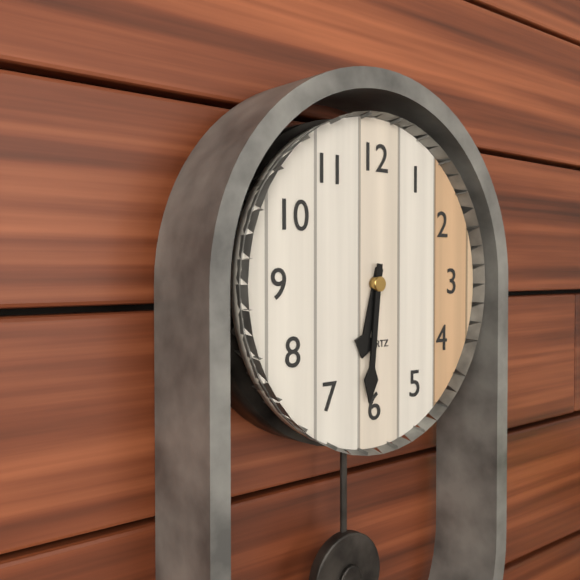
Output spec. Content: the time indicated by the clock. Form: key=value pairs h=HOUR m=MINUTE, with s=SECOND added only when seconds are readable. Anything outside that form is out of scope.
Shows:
h=6 m=31
